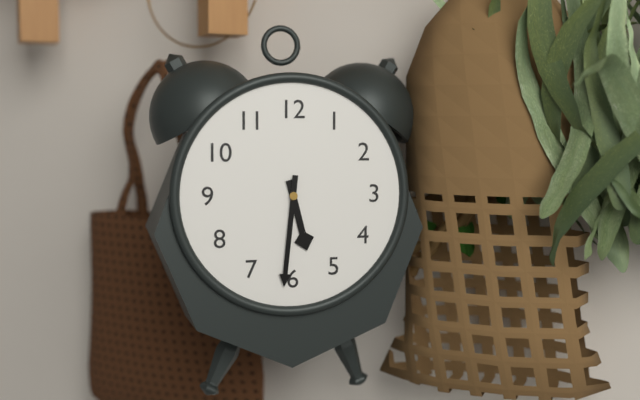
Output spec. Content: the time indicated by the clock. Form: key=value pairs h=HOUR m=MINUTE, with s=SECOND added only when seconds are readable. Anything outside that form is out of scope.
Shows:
h=5 m=31
